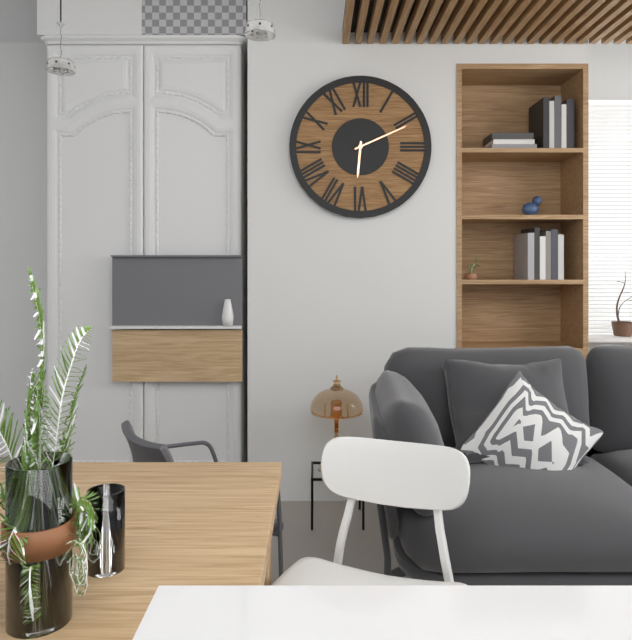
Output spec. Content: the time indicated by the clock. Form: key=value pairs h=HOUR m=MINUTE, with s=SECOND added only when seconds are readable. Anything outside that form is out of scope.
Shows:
h=6 m=11
